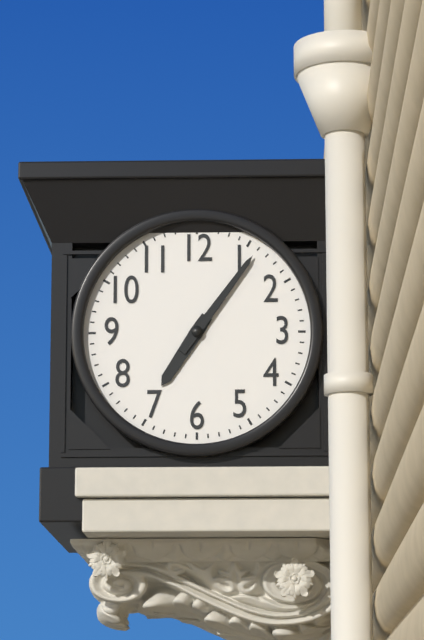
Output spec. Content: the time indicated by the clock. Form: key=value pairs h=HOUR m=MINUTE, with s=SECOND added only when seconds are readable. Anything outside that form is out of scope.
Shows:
h=7 m=6
